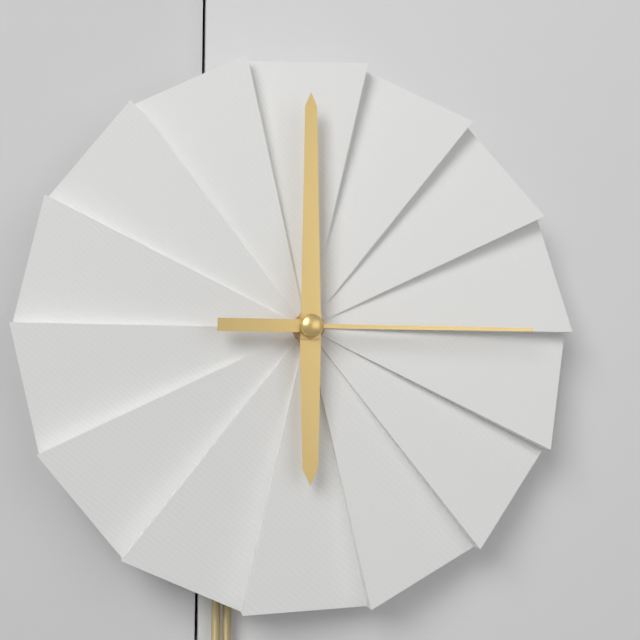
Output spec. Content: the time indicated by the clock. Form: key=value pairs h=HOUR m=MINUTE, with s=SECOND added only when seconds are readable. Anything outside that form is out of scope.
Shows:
h=6 m=0 s=15
